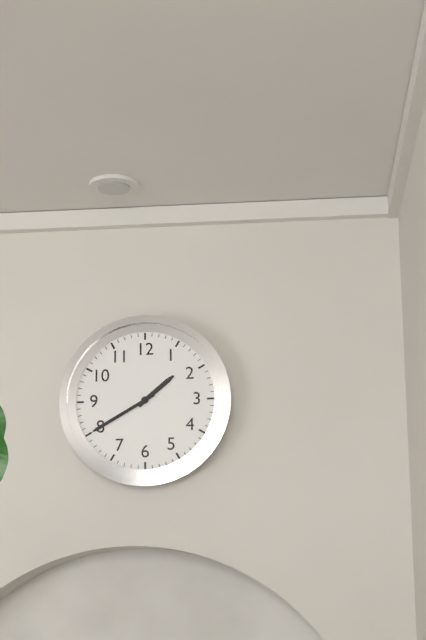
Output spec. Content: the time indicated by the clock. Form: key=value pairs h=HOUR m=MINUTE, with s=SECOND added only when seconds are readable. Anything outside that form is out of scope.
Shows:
h=1 m=40
